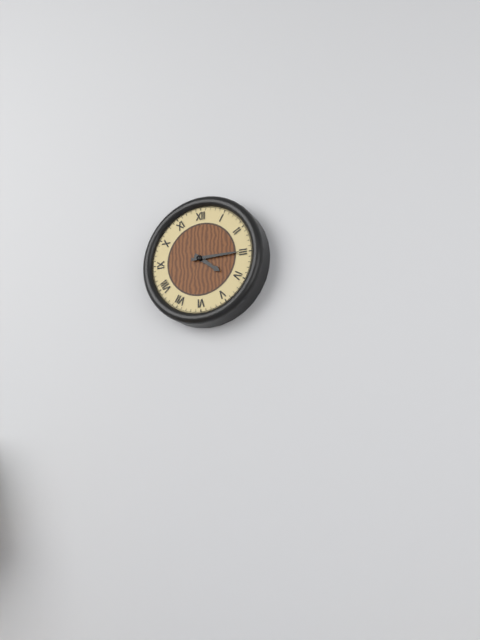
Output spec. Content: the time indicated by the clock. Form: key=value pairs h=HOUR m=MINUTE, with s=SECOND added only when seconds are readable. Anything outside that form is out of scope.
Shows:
h=4 m=15
